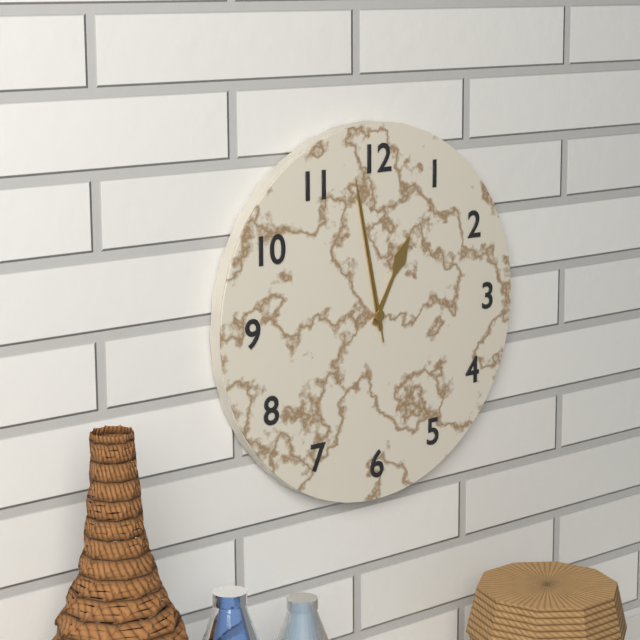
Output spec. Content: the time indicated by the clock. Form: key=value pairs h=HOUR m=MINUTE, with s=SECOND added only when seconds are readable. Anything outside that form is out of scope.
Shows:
h=12 m=58 s=58
